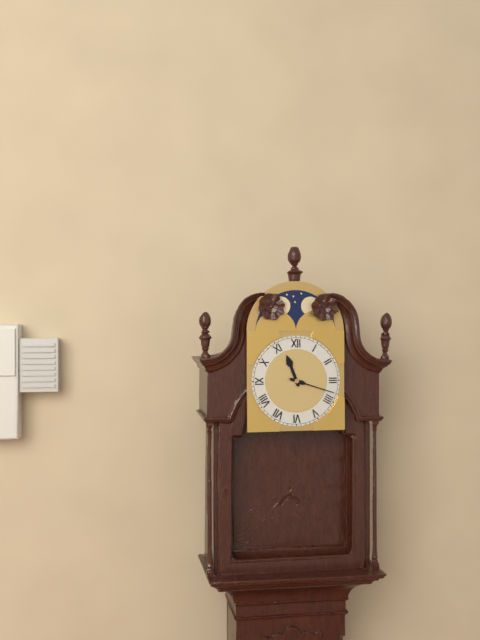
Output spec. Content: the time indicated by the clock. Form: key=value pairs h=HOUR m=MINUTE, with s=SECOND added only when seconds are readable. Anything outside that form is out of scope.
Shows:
h=11 m=18
